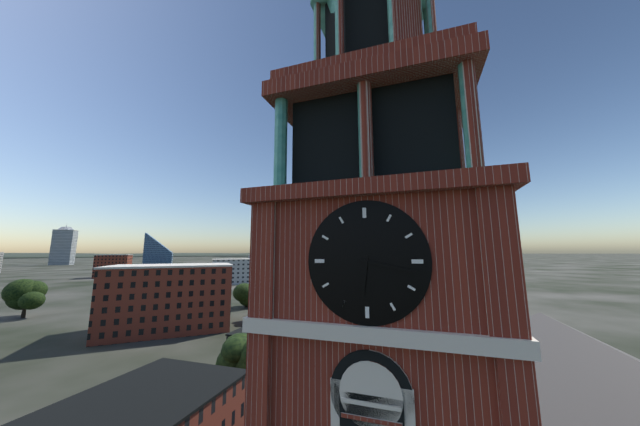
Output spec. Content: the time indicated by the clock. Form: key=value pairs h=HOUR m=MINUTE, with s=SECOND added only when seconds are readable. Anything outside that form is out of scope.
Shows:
h=6 m=17
